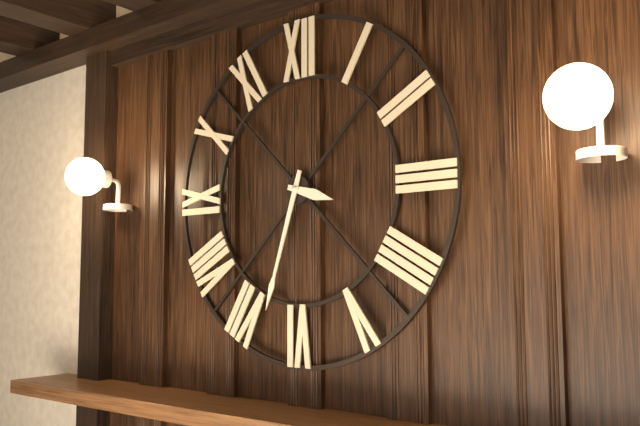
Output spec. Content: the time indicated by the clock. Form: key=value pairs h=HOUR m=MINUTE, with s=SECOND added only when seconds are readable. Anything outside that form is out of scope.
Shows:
h=3 m=33
